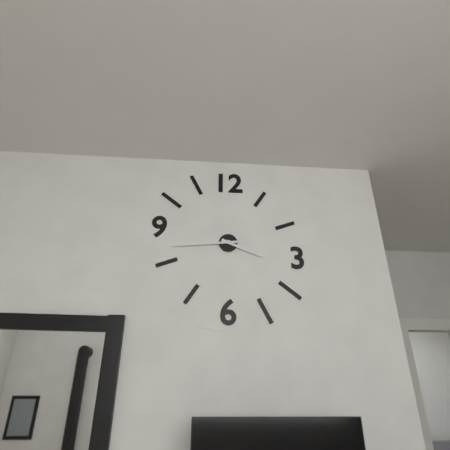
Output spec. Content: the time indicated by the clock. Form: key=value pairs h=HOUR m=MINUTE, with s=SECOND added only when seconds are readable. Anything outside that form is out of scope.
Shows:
h=3 m=44
